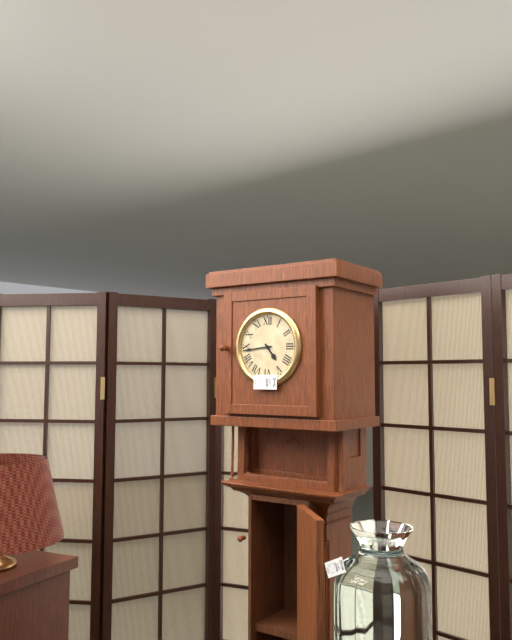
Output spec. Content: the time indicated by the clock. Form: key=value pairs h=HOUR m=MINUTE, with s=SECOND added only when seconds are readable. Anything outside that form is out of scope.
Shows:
h=4 m=44
